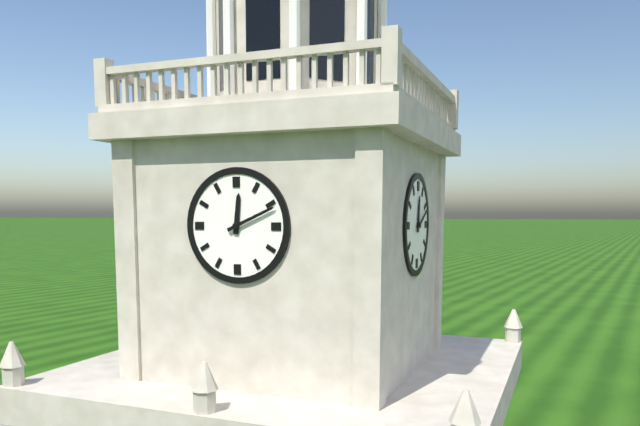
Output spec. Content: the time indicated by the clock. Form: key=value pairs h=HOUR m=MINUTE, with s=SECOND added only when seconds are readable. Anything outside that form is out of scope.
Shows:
h=12 m=11
